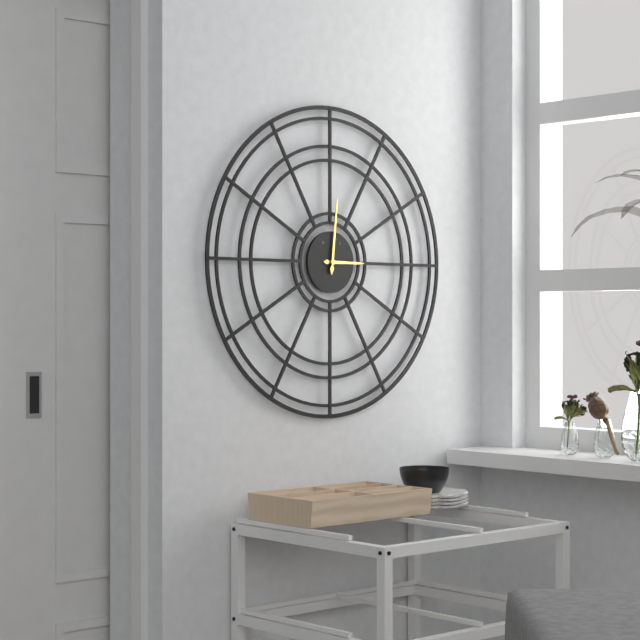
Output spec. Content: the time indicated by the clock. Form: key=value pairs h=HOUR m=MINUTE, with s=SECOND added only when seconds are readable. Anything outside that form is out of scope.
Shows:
h=3 m=1
